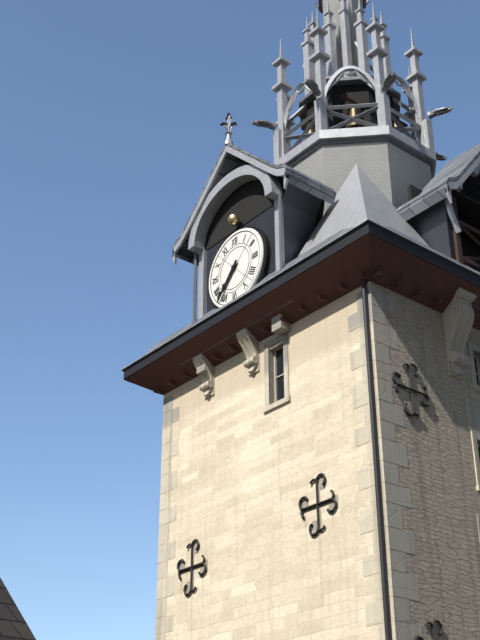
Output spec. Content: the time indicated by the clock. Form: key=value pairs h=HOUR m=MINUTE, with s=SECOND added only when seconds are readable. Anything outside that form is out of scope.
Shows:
h=7 m=37
